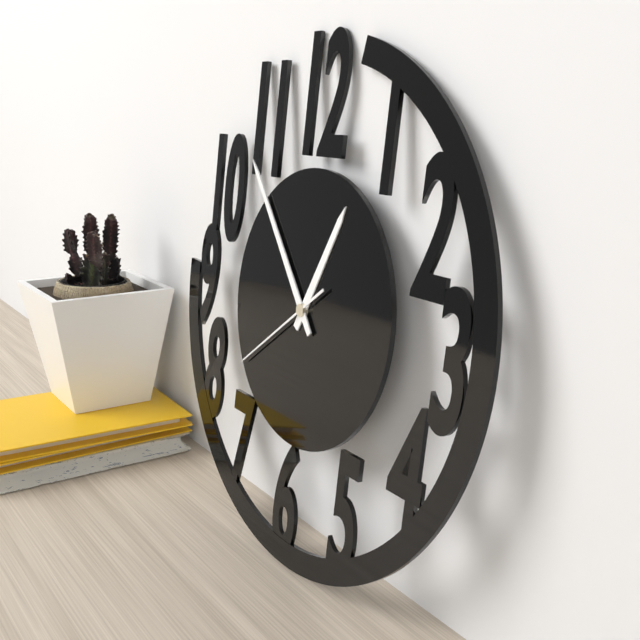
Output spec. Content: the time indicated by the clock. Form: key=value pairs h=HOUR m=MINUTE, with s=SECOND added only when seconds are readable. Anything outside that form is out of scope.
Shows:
h=12 m=53 s=39
